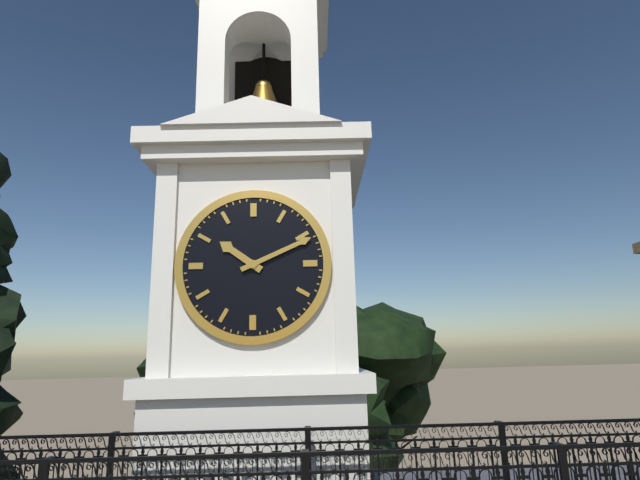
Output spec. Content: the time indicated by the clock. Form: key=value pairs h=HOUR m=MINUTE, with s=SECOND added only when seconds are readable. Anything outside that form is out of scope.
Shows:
h=10 m=11
